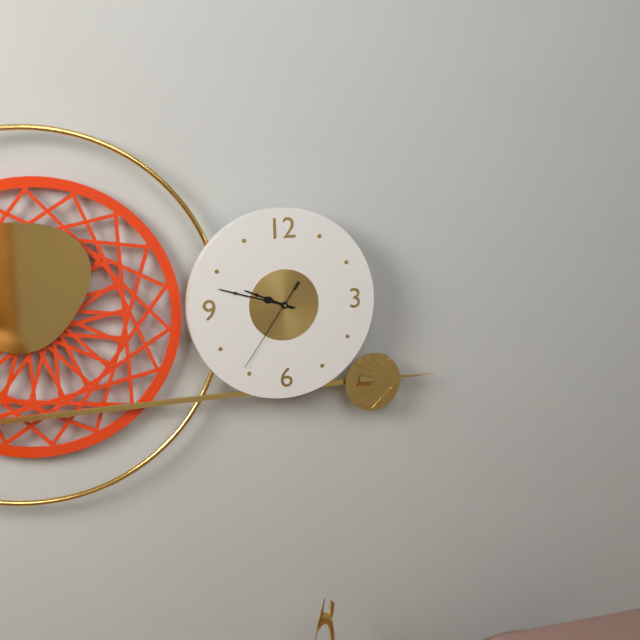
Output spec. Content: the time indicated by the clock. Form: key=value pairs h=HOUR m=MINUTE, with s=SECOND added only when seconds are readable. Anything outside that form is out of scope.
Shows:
h=9 m=48 s=36
